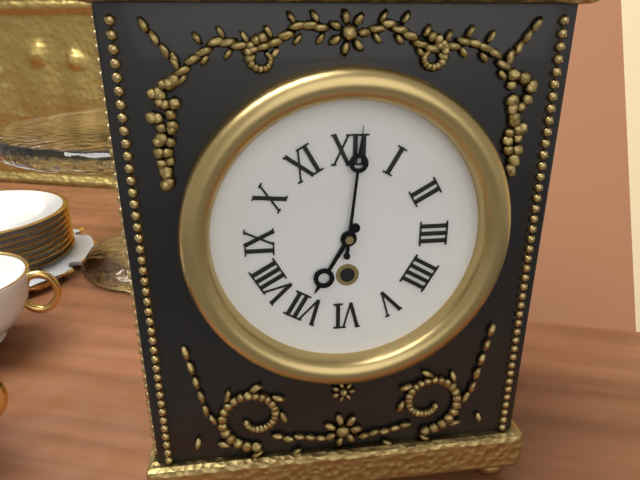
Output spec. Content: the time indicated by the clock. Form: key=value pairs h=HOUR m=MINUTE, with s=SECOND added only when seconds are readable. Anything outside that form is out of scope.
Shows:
h=7 m=1
